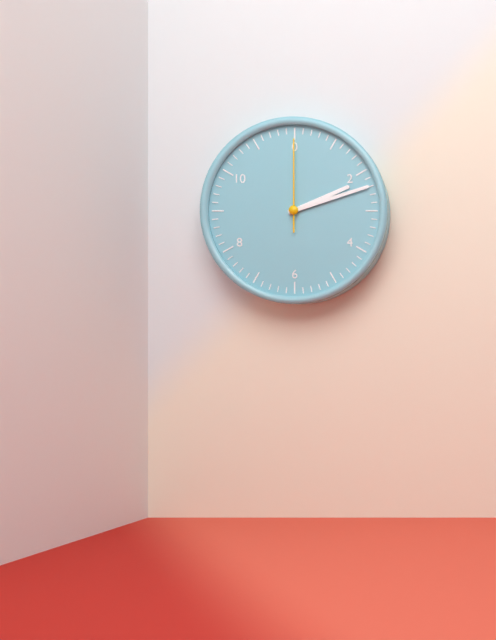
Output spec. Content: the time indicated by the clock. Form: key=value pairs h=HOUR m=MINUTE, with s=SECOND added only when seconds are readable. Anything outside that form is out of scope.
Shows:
h=2 m=12 s=0
